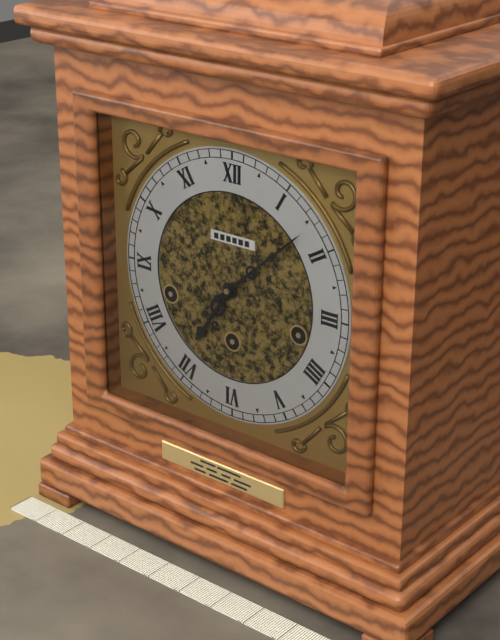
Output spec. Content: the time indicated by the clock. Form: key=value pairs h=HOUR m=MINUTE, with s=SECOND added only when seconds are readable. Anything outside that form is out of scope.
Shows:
h=7 m=8
